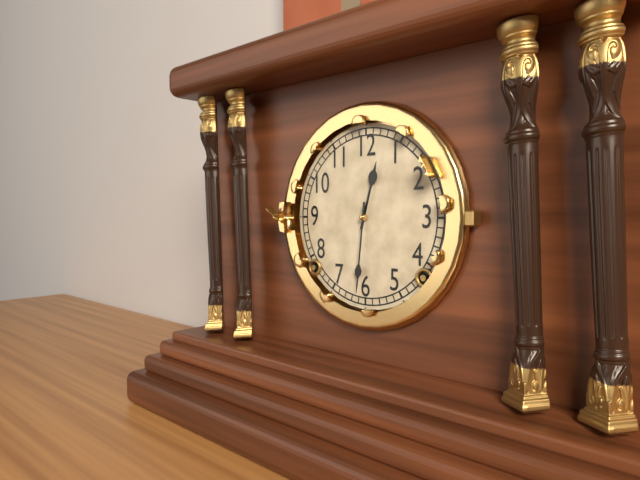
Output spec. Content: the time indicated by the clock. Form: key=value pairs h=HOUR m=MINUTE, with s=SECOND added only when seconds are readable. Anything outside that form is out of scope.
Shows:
h=12 m=31
